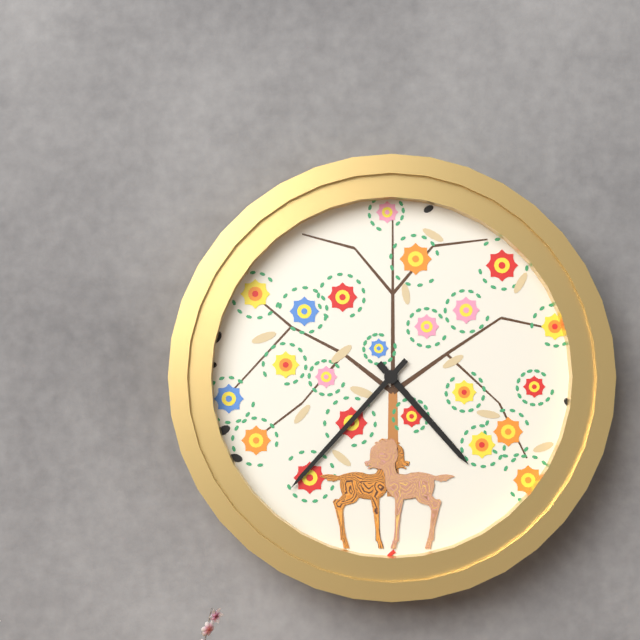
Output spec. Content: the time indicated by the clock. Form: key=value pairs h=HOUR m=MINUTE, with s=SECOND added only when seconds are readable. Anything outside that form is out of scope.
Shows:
h=4 m=37
